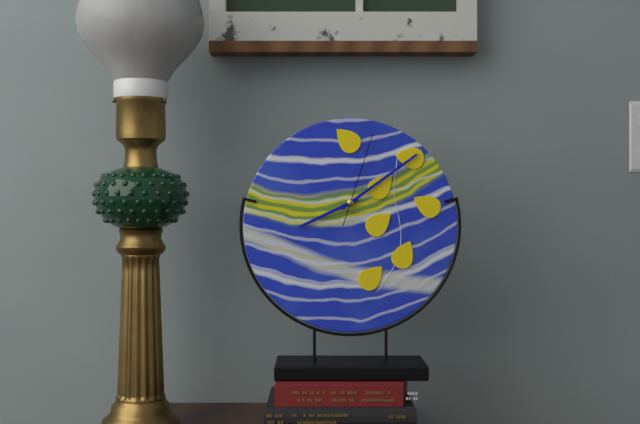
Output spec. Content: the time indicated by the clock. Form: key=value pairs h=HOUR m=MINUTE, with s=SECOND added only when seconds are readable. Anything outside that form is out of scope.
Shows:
h=8 m=9 s=3
